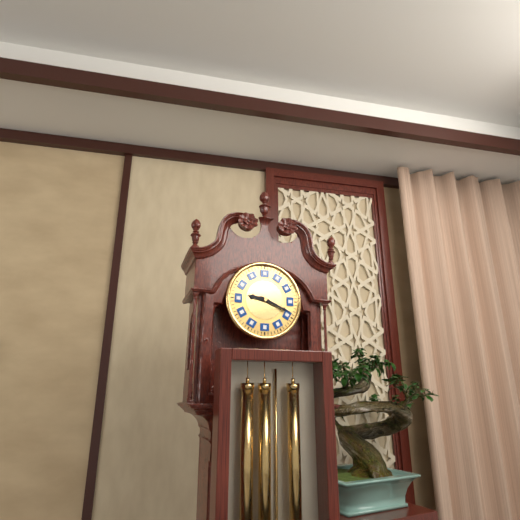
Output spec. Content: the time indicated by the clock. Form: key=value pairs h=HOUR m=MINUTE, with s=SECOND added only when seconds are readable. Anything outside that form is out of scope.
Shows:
h=9 m=19
